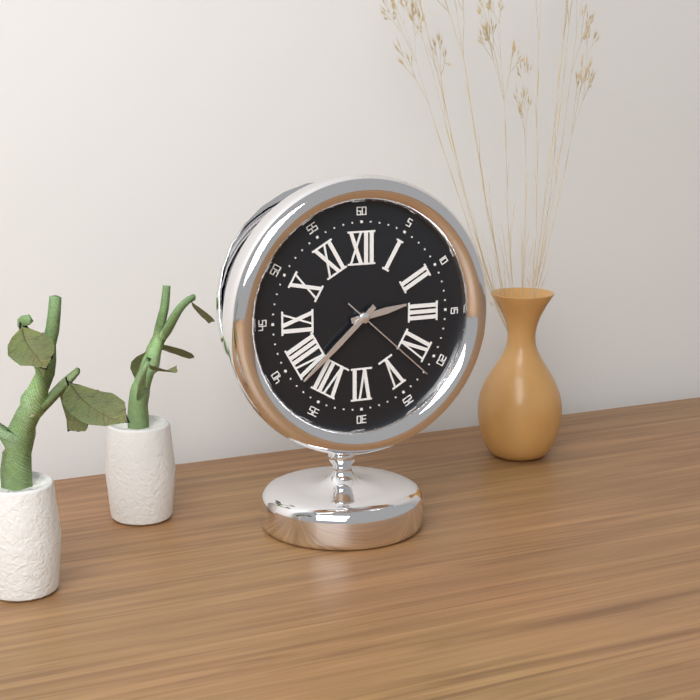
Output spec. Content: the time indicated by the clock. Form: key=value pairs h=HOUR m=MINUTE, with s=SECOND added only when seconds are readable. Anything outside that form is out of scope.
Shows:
h=2 m=38 s=22
